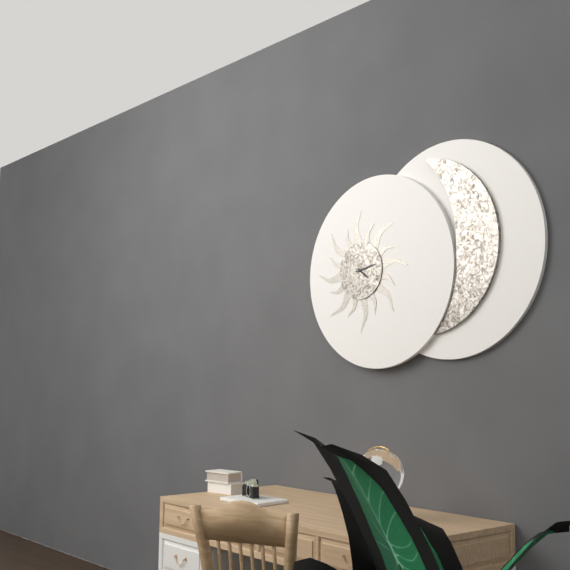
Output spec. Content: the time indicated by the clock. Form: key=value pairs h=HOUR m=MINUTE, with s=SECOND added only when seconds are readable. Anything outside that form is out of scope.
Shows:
h=4 m=13
